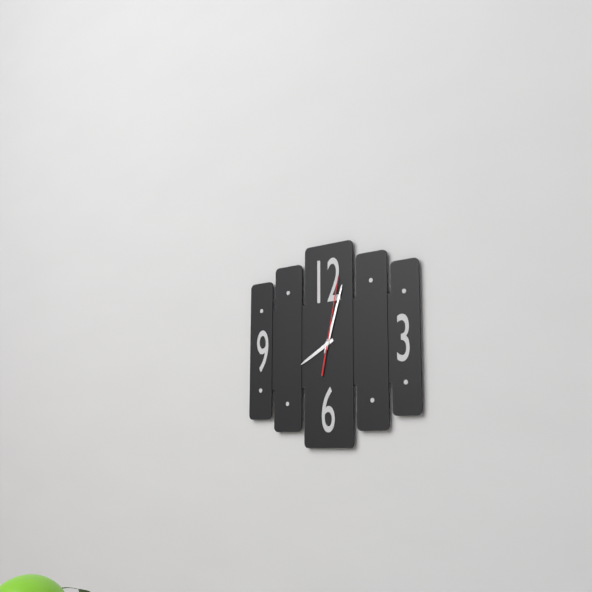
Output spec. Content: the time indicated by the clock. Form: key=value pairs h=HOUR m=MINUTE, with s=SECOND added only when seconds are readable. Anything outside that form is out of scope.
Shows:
h=8 m=3 s=2
